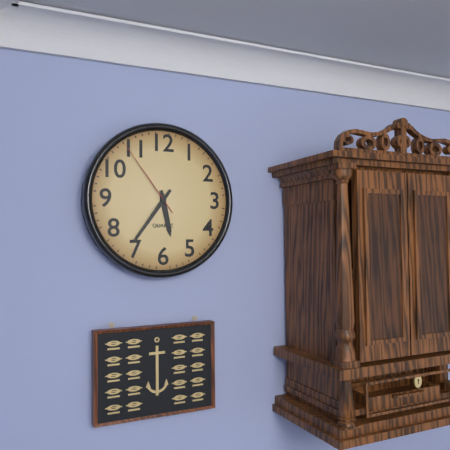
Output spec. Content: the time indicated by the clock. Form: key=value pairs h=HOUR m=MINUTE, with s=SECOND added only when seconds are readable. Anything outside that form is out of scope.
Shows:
h=5 m=36 s=54
